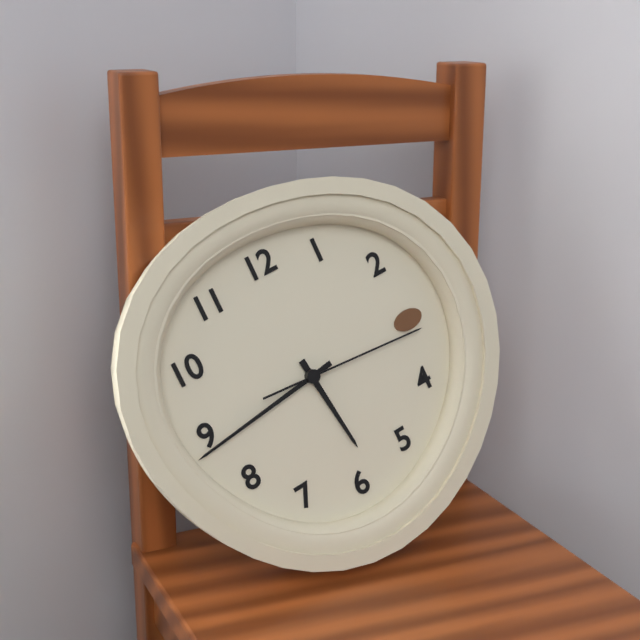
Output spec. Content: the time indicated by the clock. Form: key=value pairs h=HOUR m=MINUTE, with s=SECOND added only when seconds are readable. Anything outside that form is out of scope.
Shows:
h=5 m=44 s=16
